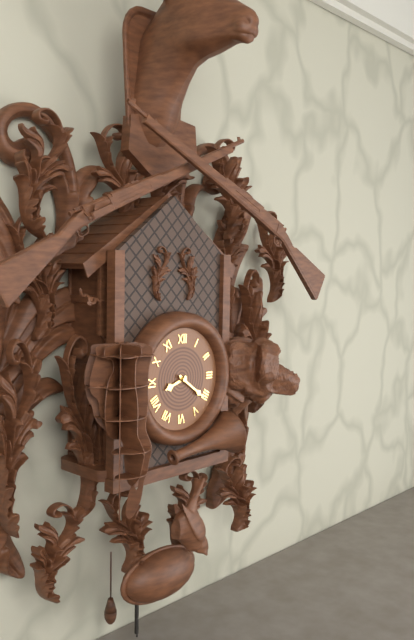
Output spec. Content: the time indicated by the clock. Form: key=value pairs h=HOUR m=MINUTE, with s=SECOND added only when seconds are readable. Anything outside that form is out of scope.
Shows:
h=8 m=21
